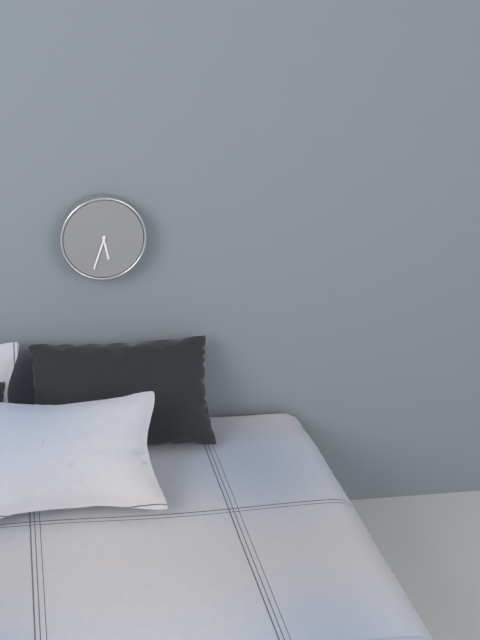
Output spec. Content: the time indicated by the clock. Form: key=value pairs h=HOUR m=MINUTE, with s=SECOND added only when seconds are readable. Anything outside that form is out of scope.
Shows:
h=5 m=33
